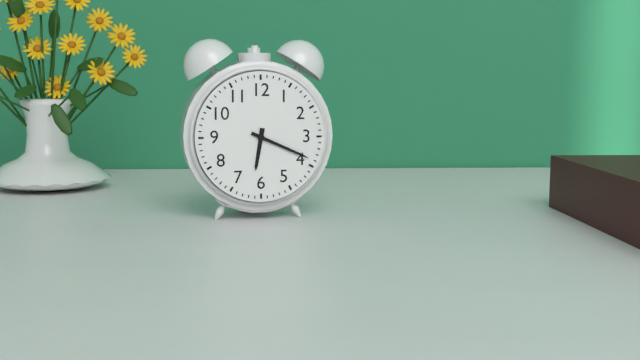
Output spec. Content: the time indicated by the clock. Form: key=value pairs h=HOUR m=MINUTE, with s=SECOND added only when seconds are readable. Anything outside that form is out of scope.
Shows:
h=6 m=19
